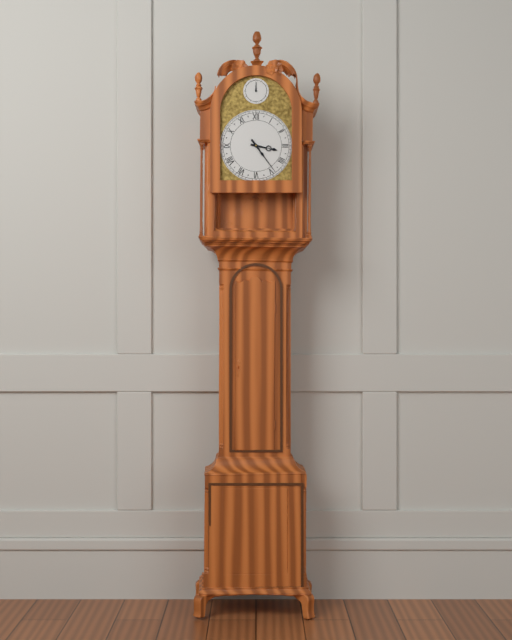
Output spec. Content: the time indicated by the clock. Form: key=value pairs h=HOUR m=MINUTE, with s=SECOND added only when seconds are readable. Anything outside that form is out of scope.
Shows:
h=3 m=24
